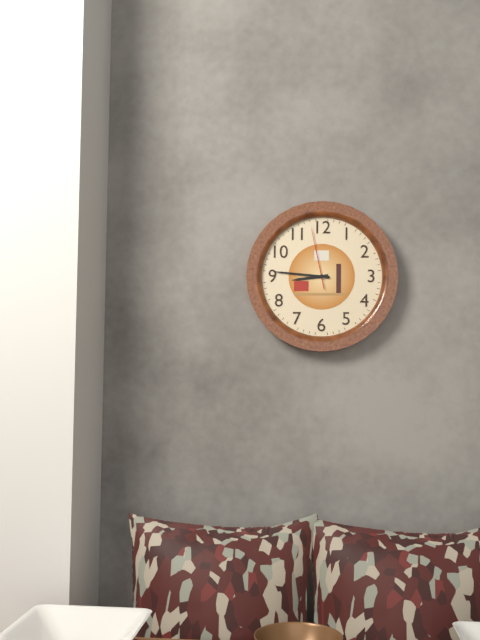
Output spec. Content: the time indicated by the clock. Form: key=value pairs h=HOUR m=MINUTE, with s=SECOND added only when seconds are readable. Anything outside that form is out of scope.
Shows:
h=8 m=46 s=58
